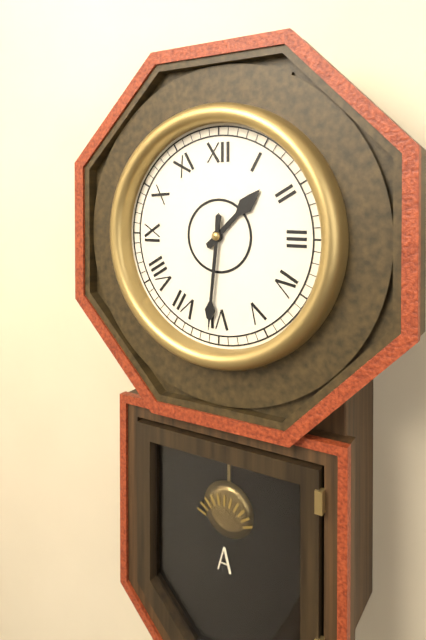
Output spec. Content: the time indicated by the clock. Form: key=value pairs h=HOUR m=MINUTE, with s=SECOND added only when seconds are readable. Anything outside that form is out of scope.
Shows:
h=1 m=31
